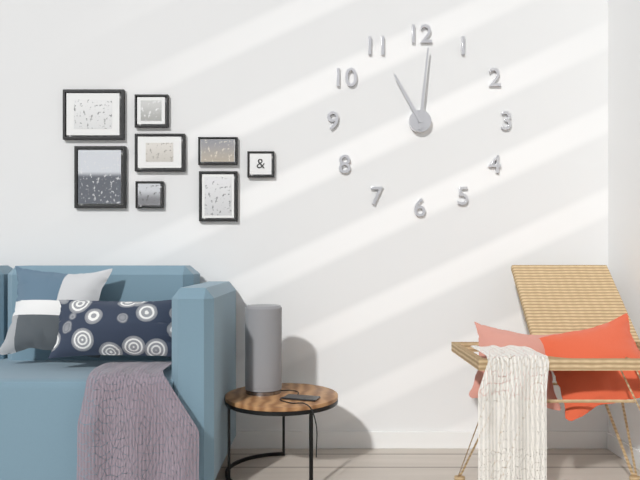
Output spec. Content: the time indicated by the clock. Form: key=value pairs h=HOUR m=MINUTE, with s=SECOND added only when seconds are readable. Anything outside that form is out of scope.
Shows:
h=11 m=1
